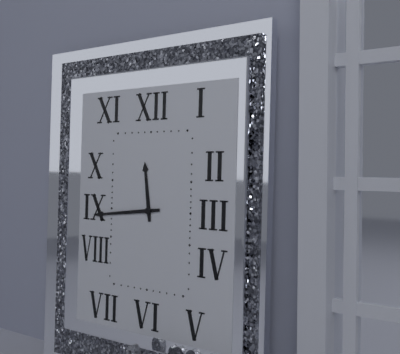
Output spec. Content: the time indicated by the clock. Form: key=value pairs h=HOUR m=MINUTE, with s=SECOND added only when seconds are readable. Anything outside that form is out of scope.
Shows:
h=11 m=44
